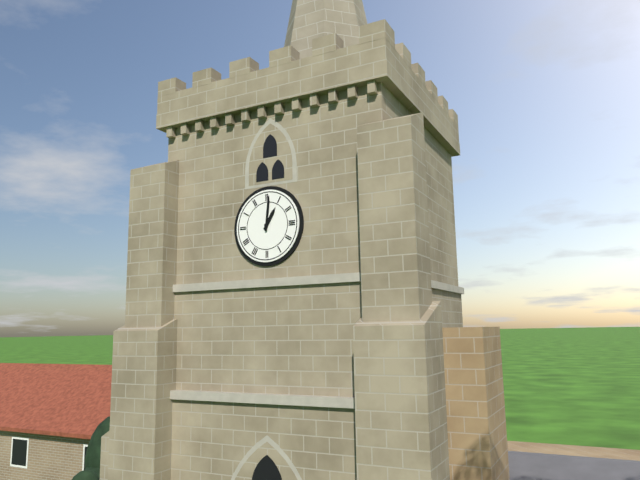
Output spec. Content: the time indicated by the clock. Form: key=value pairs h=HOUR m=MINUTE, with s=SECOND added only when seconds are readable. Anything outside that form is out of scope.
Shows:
h=1 m=1
